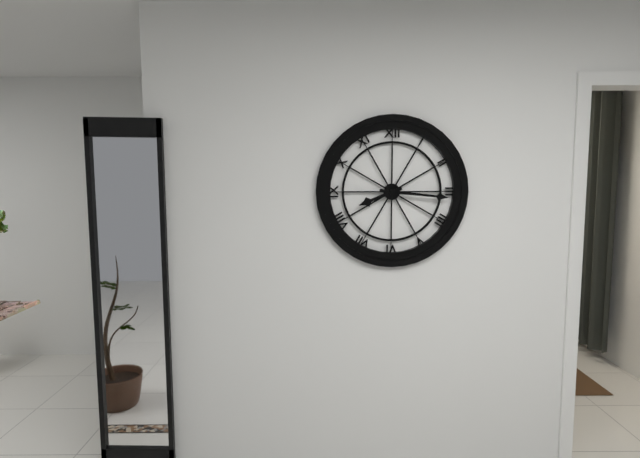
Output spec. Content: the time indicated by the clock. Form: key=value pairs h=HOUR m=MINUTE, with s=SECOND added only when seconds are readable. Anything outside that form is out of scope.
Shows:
h=8 m=16
